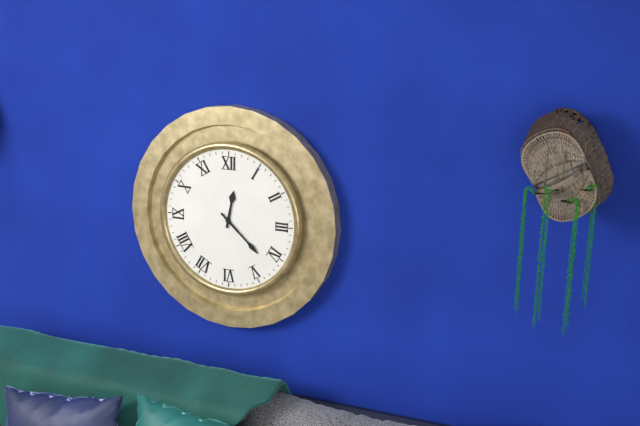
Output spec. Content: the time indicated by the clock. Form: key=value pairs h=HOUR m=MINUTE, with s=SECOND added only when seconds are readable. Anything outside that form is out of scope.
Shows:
h=12 m=22
